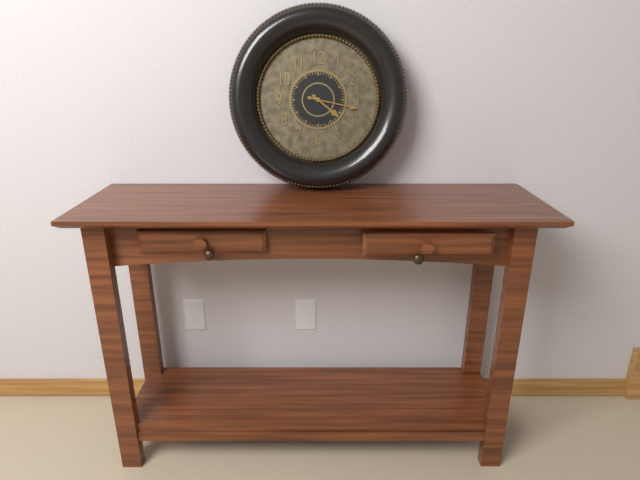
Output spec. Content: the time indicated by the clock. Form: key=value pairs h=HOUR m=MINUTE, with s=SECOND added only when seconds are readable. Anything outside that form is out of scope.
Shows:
h=4 m=17
